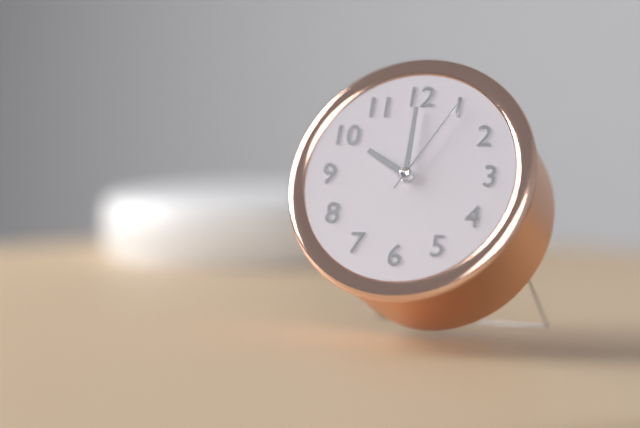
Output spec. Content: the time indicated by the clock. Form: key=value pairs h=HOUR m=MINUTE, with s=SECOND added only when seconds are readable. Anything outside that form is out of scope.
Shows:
h=10 m=0 s=5
